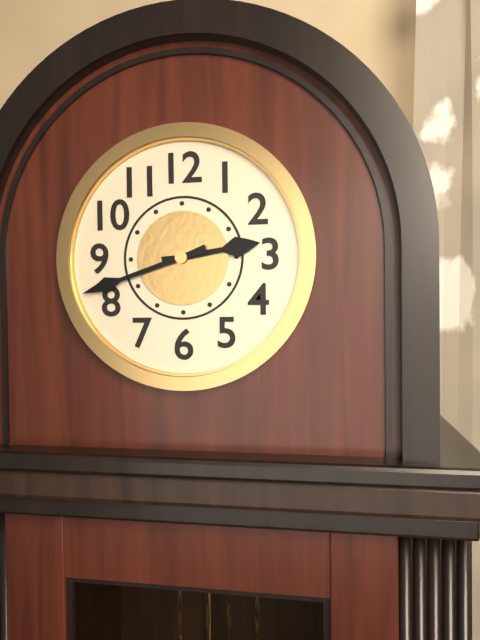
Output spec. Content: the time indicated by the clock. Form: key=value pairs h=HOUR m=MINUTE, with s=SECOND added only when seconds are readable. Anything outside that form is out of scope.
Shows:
h=2 m=42
